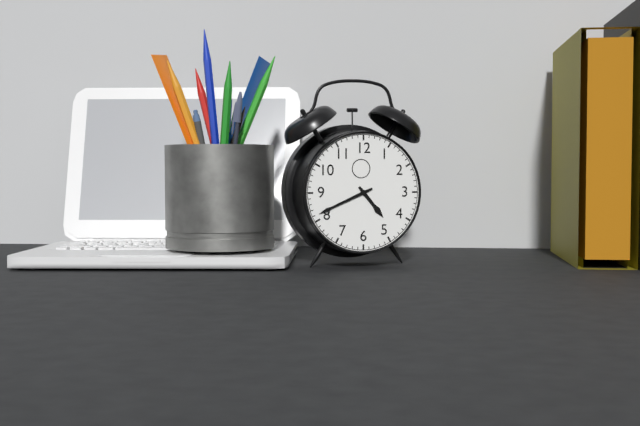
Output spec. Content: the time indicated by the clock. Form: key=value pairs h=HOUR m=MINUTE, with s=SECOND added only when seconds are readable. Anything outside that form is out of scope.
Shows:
h=4 m=41
